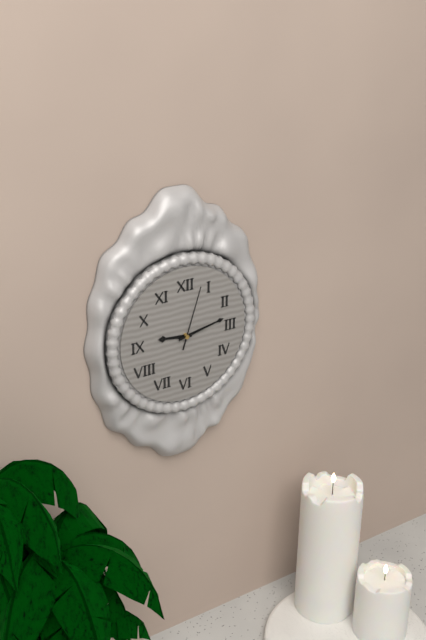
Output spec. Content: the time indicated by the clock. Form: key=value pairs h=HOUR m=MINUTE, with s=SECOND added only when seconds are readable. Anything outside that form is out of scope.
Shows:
h=9 m=13 s=3
